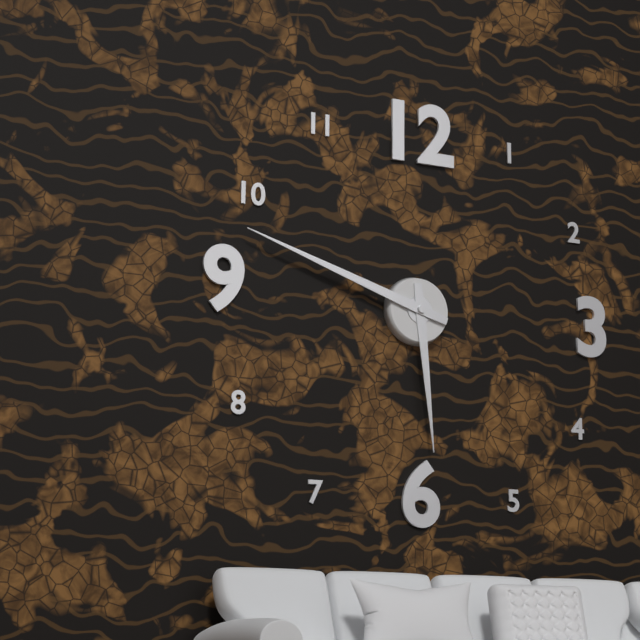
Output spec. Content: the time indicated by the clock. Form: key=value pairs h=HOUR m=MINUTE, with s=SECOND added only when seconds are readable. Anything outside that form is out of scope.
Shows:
h=5 m=48
